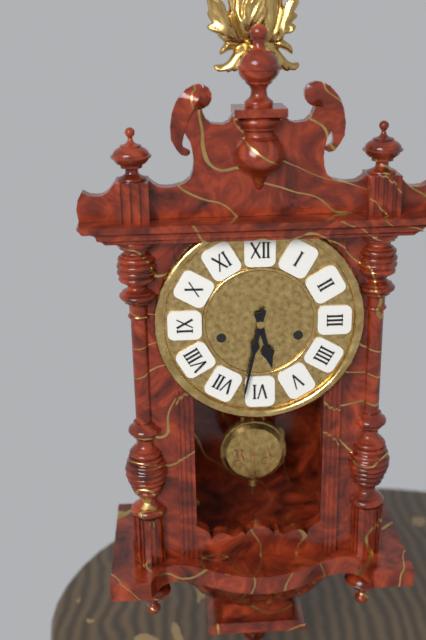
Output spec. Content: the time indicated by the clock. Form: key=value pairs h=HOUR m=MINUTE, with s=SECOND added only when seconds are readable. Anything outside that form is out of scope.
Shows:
h=5 m=32
